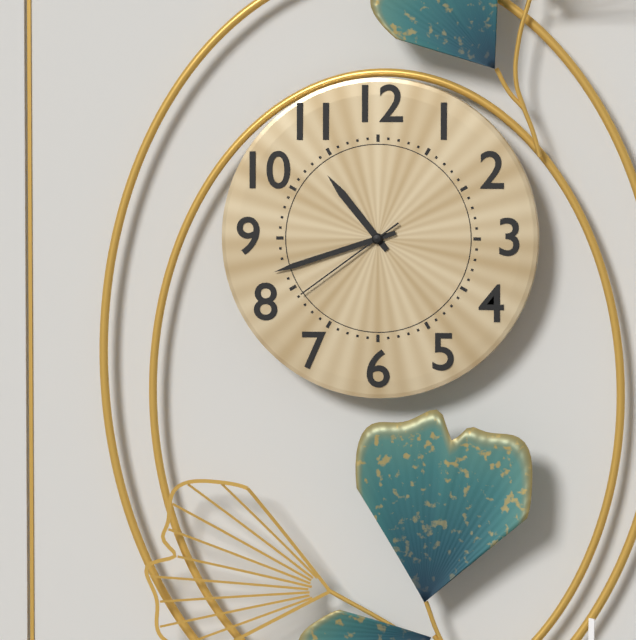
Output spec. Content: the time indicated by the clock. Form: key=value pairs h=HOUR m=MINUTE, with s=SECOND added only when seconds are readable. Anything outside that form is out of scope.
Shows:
h=10 m=42 s=39
